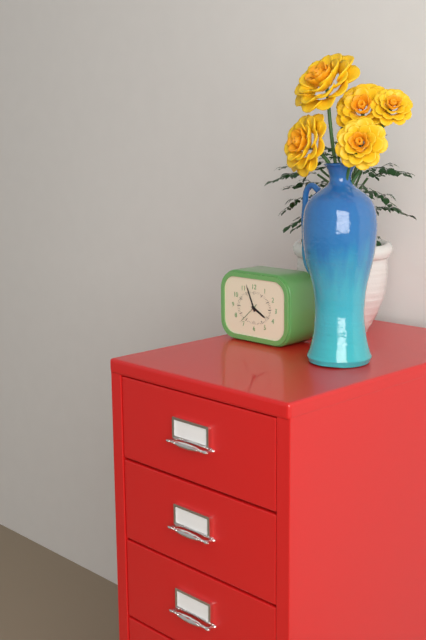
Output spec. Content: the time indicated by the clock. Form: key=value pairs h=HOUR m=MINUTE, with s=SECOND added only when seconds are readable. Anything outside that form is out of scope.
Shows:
h=3 m=56
